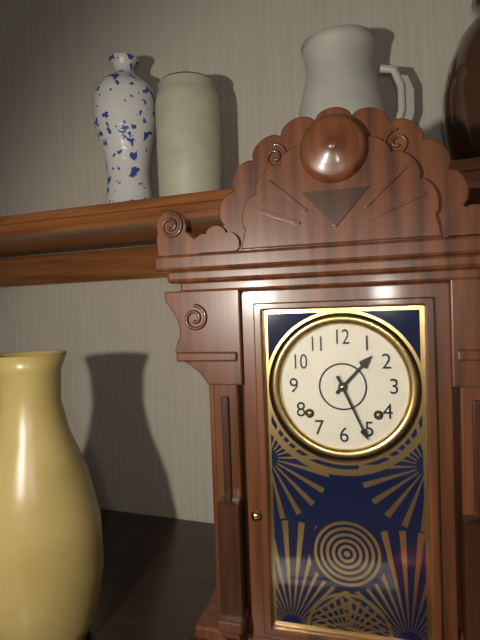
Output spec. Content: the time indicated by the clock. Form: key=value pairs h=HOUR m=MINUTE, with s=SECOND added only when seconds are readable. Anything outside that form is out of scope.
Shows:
h=1 m=26
